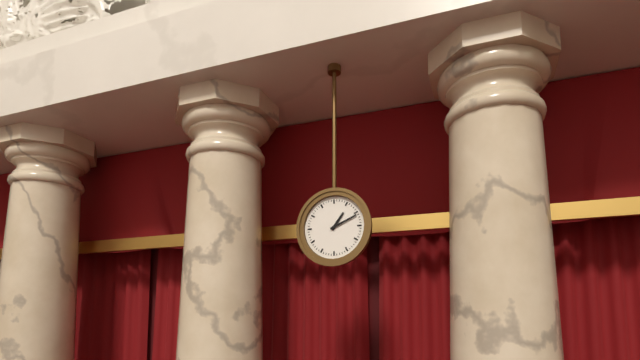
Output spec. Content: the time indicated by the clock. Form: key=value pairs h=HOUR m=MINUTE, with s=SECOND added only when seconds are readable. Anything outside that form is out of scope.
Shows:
h=1 m=11
